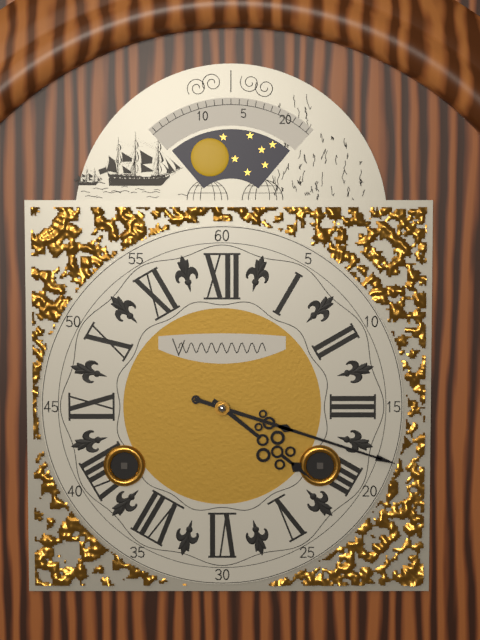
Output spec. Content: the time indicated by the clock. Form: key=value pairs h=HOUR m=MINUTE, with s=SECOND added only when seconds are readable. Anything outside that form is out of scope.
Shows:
h=4 m=18
